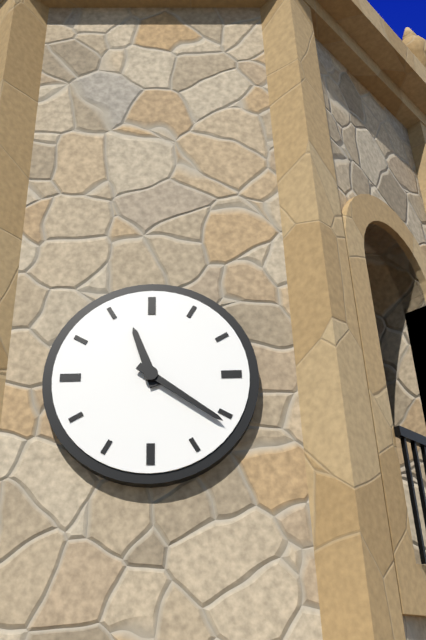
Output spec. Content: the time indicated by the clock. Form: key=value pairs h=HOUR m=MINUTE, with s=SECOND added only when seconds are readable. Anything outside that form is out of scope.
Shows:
h=11 m=21
